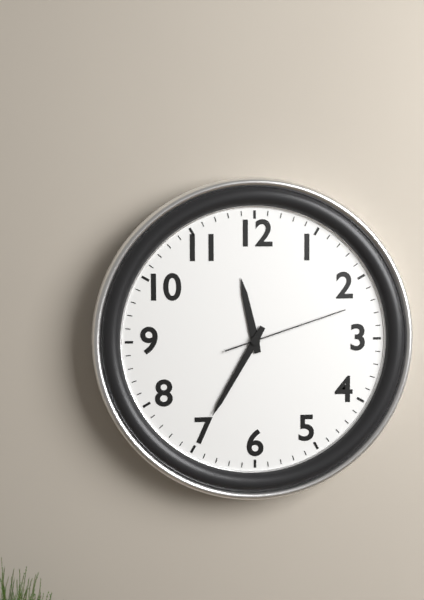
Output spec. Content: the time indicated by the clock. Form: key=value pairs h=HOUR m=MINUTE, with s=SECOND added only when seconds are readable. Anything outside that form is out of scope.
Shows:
h=11 m=35 s=12
